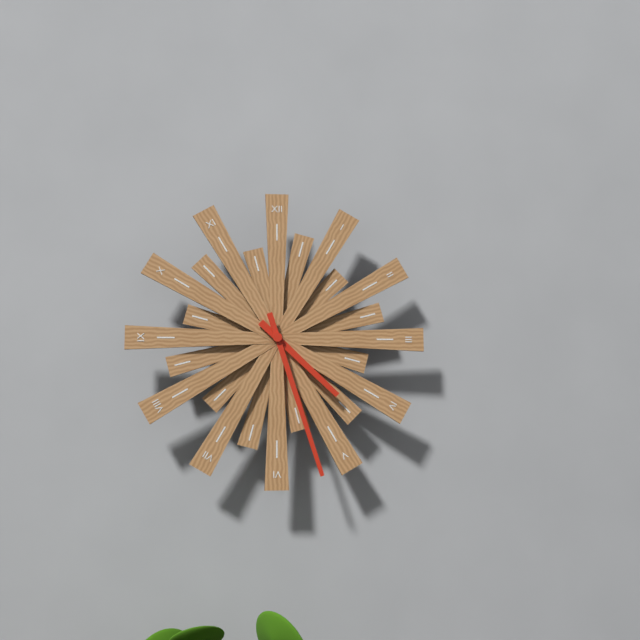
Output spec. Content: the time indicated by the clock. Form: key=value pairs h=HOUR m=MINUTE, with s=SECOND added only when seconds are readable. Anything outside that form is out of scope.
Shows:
h=4 m=27
